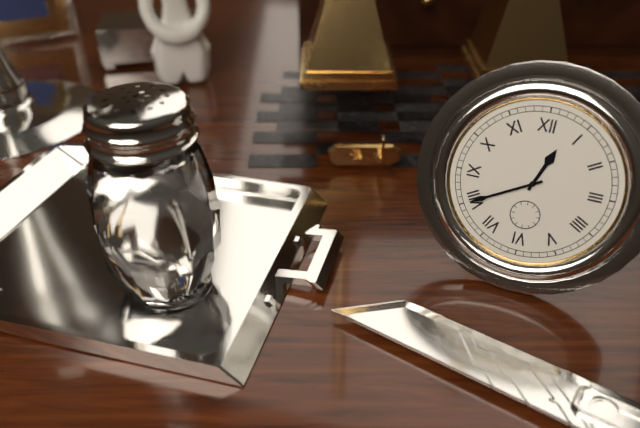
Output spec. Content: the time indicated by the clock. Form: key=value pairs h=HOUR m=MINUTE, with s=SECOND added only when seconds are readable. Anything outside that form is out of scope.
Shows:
h=12 m=40
